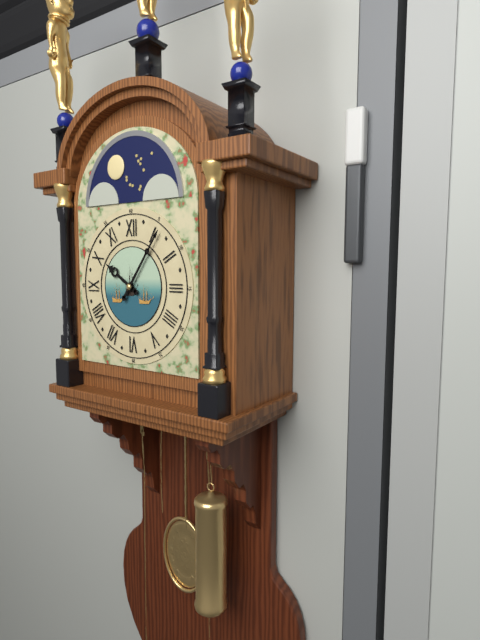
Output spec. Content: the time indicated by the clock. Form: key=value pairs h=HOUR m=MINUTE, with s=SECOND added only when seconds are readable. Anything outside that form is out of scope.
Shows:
h=10 m=6
